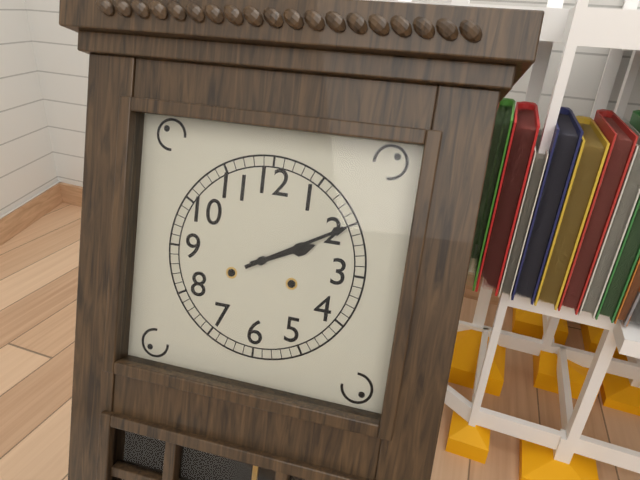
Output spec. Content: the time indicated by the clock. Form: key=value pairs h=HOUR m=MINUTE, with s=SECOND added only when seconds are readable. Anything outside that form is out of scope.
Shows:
h=2 m=10
